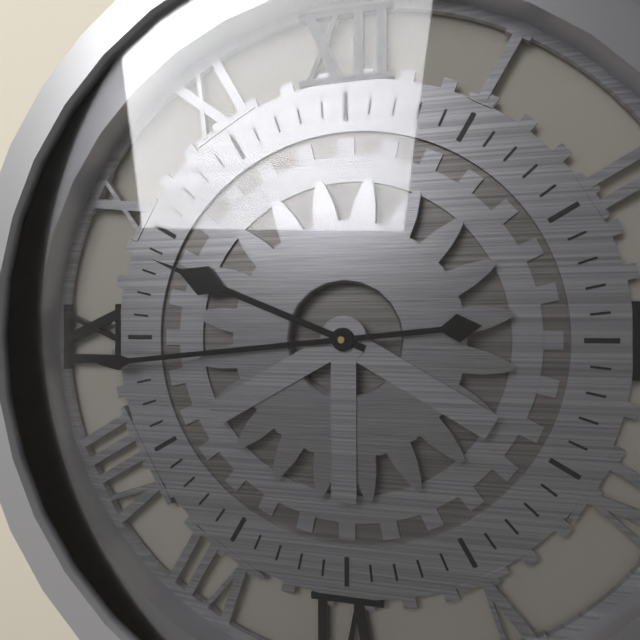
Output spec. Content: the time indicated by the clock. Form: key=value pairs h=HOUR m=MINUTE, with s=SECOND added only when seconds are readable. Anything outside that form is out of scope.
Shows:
h=9 m=44
